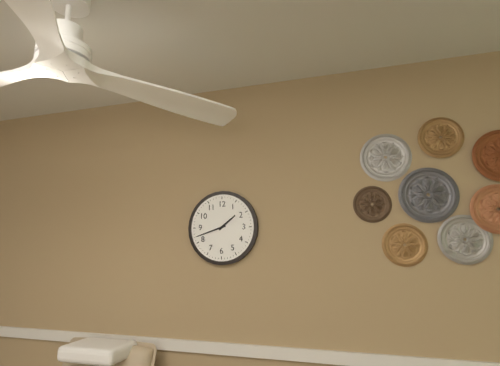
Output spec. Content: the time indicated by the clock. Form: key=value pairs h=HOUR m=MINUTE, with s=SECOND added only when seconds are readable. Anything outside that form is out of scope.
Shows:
h=1 m=42
